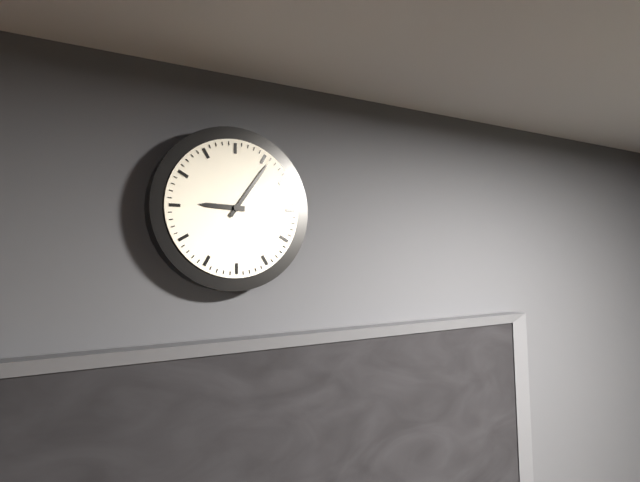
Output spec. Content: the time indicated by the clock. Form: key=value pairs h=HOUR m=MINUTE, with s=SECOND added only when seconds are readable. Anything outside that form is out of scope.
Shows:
h=9 m=6
